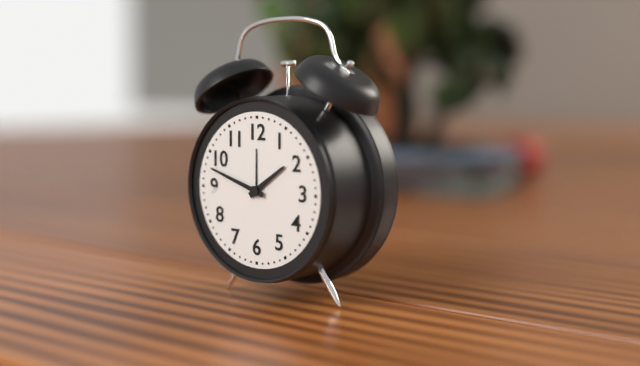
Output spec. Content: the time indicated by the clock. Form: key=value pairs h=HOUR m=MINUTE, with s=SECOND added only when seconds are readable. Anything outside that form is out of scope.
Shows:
h=1 m=48
